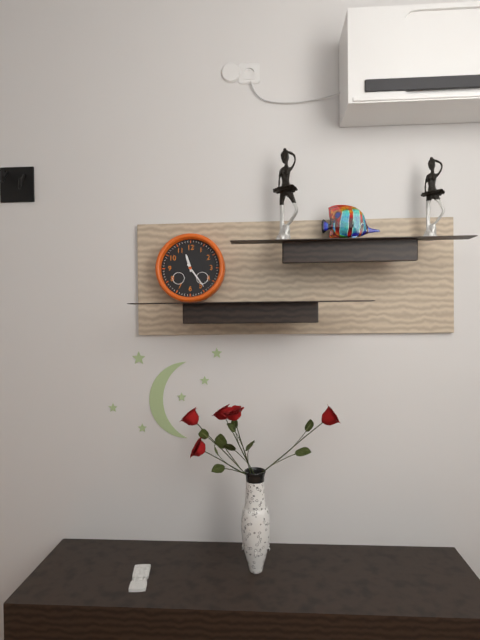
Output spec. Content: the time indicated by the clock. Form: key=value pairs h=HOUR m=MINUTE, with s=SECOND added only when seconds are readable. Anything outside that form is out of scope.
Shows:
h=11 m=24
